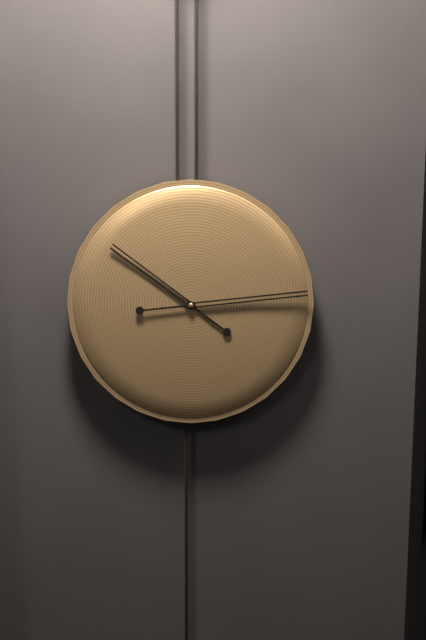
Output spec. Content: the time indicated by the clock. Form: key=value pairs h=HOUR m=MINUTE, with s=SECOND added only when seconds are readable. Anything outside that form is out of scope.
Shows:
h=10 m=14
